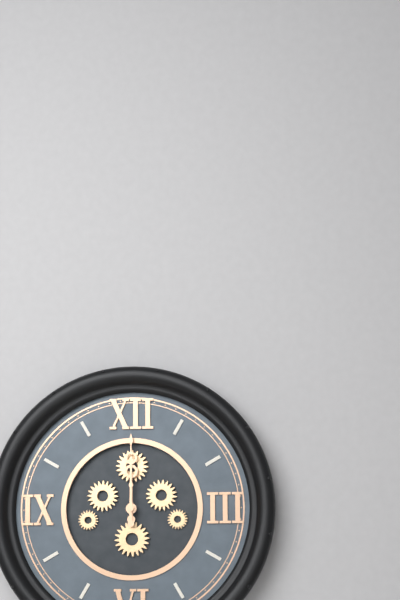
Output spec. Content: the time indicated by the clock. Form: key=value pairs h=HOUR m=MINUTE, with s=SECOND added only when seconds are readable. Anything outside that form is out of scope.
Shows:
h=12 m=0
